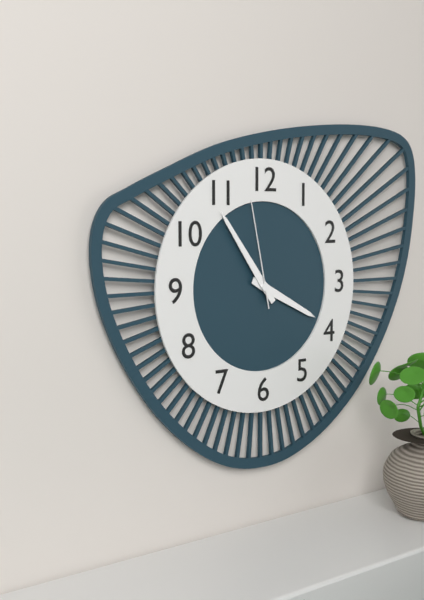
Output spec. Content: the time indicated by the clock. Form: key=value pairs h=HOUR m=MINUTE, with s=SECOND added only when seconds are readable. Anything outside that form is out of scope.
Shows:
h=3 m=54 s=58
